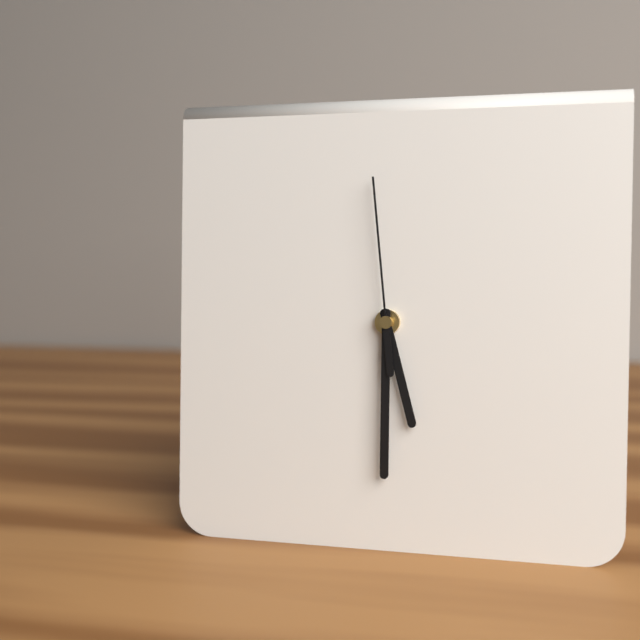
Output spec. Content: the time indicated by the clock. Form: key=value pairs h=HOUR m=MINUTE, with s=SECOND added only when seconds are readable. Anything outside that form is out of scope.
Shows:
h=5 m=30 s=59
